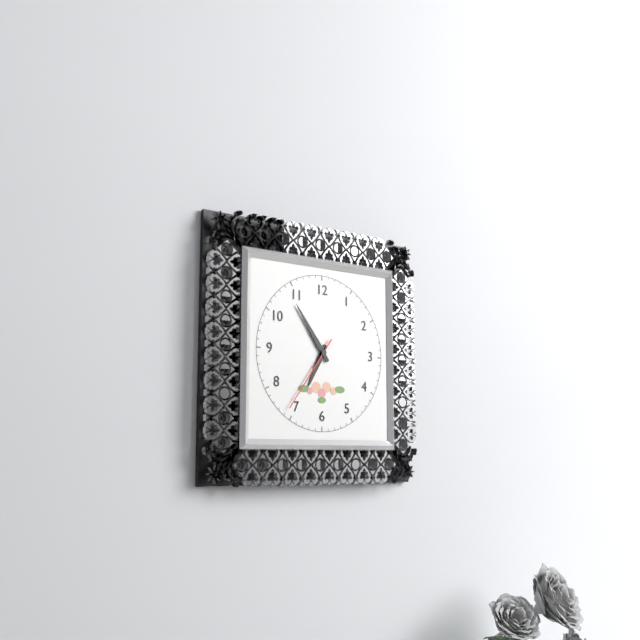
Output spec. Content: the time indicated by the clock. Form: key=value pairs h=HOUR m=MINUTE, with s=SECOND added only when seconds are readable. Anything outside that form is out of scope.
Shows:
h=6 m=54 s=36
